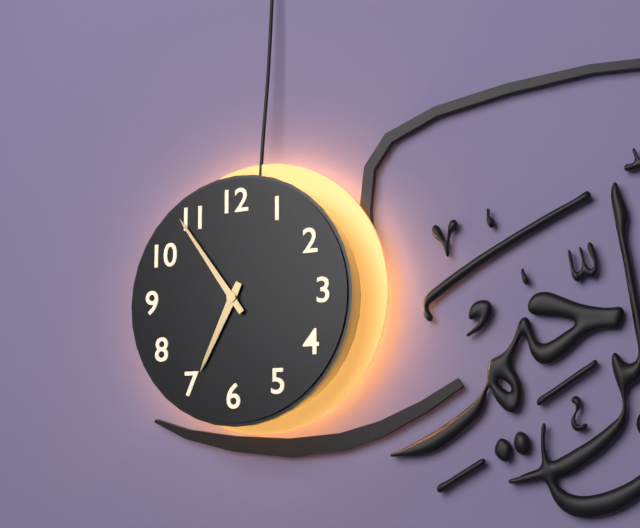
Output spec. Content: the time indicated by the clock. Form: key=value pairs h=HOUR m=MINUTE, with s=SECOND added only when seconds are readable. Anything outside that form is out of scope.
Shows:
h=6 m=54
